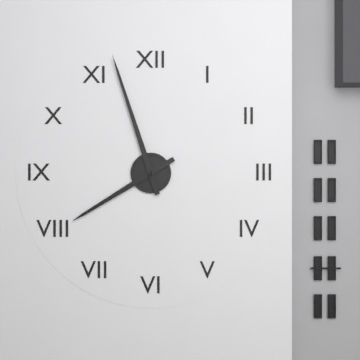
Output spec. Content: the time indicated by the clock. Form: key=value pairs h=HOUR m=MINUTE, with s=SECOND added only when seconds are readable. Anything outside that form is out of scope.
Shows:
h=7 m=57
